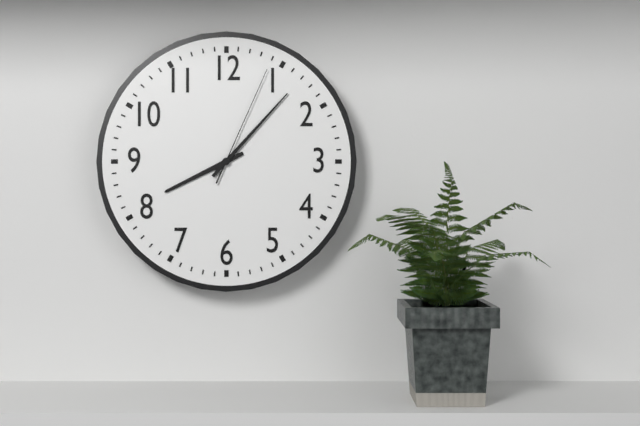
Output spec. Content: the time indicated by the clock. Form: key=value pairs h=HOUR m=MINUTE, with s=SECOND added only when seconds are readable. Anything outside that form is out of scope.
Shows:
h=8 m=7 s=4
